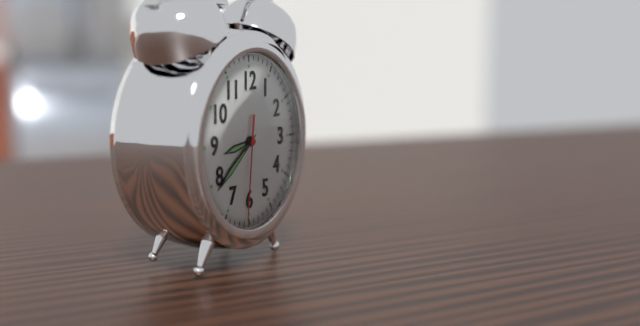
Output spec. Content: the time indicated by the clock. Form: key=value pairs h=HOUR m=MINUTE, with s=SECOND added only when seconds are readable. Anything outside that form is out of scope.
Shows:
h=8 m=39 s=31
